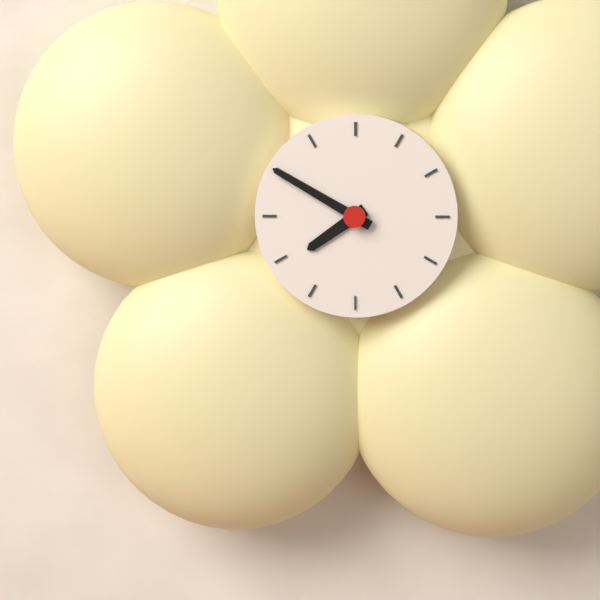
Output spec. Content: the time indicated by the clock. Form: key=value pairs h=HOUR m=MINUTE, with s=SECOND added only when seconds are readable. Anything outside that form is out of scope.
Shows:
h=7 m=50
